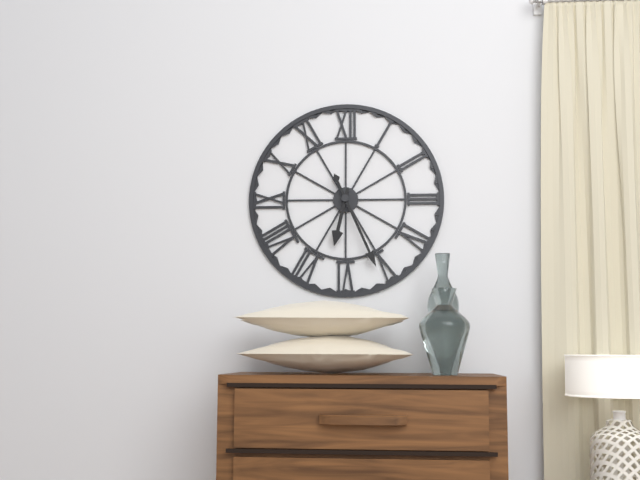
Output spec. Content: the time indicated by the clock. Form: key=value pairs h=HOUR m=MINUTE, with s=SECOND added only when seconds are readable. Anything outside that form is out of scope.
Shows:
h=6 m=26
